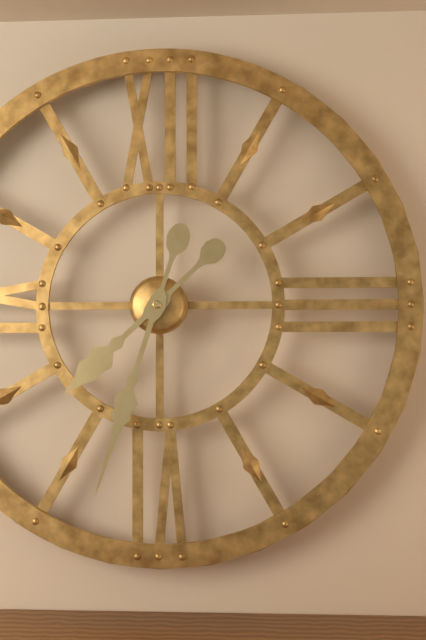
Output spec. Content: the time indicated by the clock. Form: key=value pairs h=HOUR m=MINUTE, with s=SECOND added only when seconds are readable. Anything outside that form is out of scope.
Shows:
h=7 m=33
